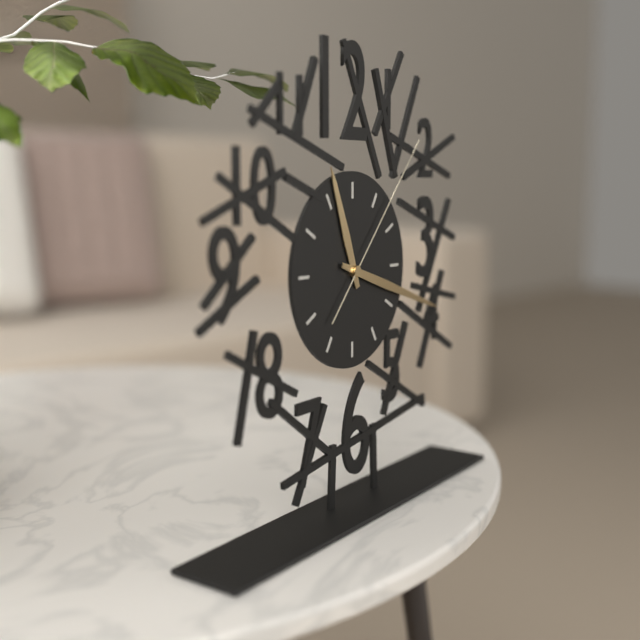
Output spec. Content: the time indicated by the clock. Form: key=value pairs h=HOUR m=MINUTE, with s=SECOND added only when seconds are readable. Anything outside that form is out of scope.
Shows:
h=11 m=18 s=7
